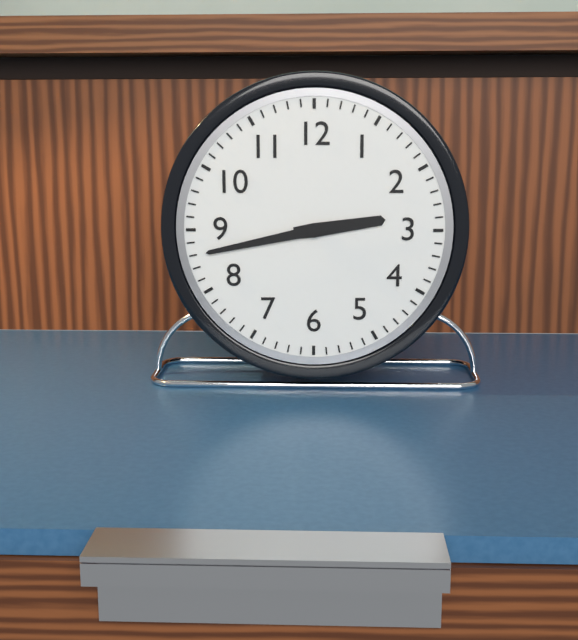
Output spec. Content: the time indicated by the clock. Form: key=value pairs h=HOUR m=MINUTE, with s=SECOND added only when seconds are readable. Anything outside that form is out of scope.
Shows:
h=2 m=43
